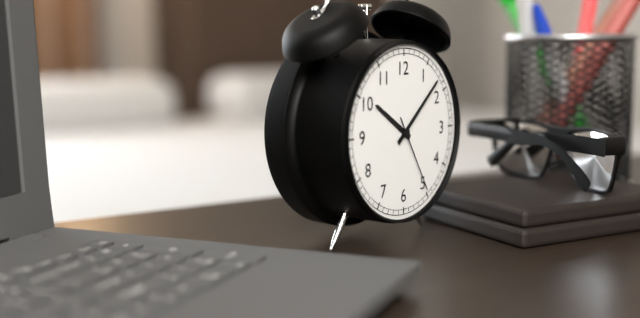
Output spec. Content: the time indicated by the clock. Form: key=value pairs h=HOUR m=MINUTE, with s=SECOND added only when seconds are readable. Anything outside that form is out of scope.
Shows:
h=10 m=8 s=25
